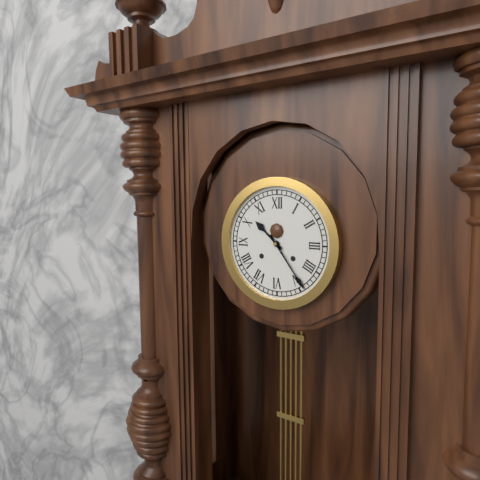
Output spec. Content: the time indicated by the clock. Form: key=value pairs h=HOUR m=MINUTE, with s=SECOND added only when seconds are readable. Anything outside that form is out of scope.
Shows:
h=10 m=24
